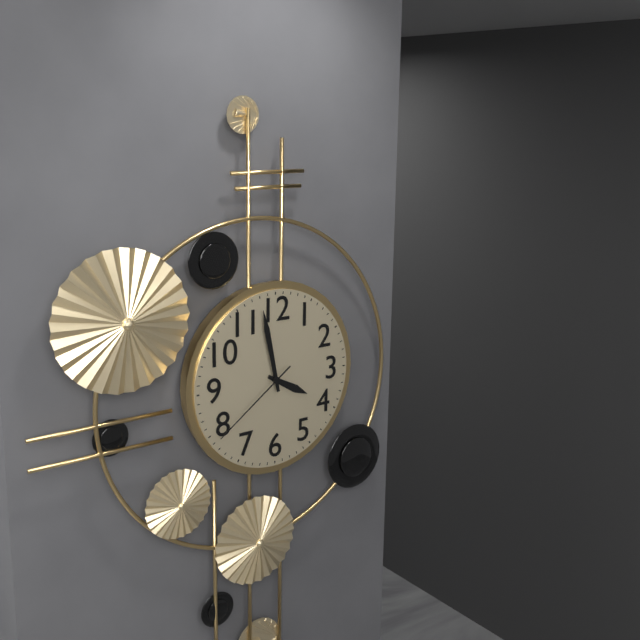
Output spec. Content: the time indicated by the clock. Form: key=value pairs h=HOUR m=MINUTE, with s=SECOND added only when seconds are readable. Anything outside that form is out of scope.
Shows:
h=3 m=58 s=39
